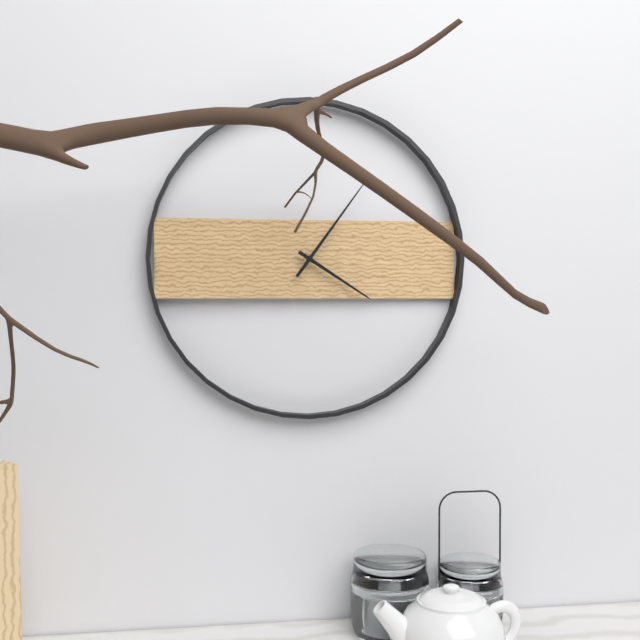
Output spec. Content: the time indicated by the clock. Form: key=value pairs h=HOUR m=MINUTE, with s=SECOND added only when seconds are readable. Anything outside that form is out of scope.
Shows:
h=4 m=6
